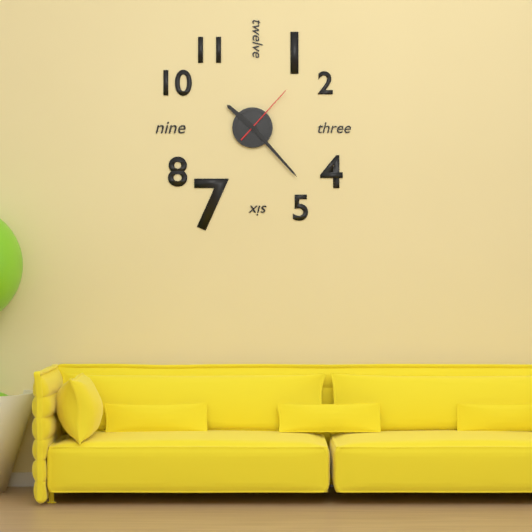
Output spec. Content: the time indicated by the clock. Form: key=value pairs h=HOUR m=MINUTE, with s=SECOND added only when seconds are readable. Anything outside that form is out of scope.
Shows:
h=10 m=23 s=7
